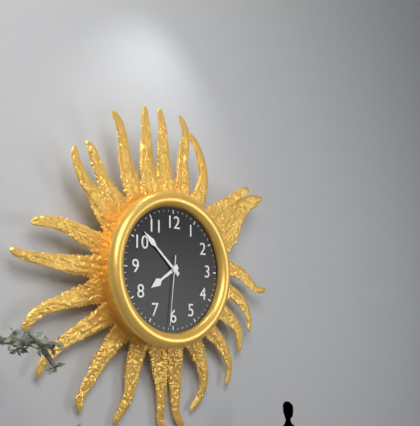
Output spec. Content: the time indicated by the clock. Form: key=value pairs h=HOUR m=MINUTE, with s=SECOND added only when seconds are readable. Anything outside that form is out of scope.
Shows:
h=7 m=52 s=31
